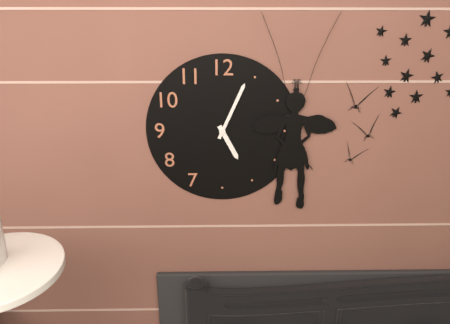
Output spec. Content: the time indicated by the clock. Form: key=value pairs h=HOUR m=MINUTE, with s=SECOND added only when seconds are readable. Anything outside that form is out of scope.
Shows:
h=5 m=4
